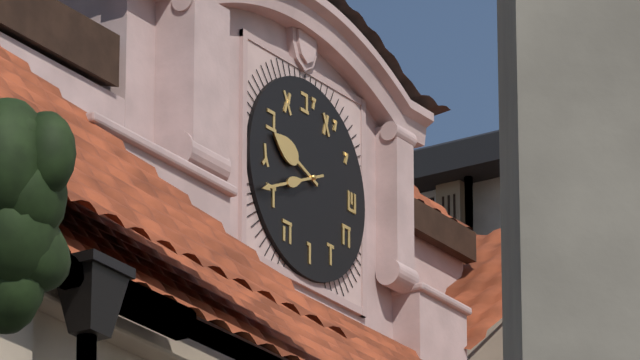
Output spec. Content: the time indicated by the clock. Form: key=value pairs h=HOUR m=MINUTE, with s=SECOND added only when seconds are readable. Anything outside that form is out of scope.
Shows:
h=9 m=41
